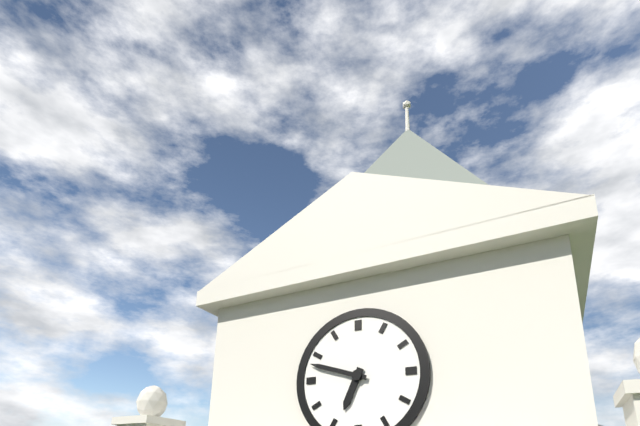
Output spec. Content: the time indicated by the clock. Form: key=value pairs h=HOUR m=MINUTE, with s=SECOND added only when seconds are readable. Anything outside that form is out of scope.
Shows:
h=6 m=48
